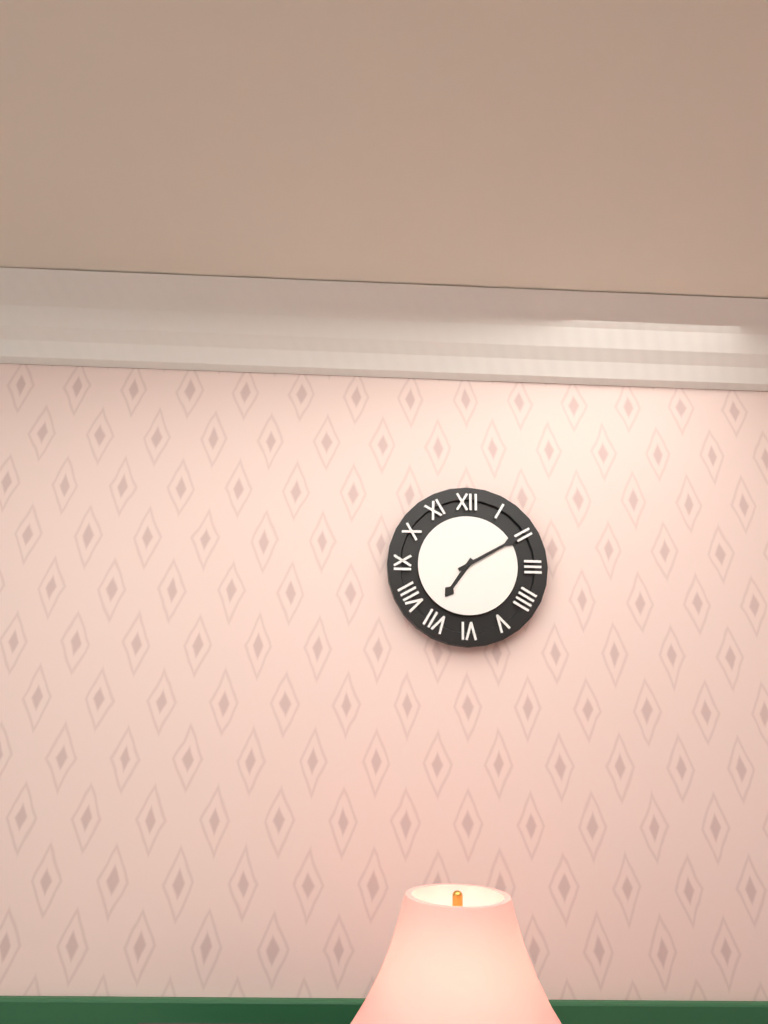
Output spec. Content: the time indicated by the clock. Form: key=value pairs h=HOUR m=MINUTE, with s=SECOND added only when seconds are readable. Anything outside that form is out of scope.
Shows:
h=7 m=10
